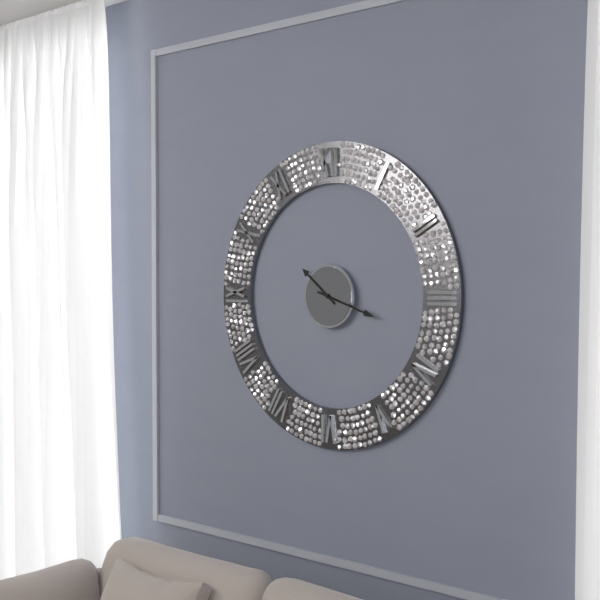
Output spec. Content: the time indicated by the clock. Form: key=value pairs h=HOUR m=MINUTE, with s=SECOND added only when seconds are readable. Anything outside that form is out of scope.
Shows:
h=10 m=18
